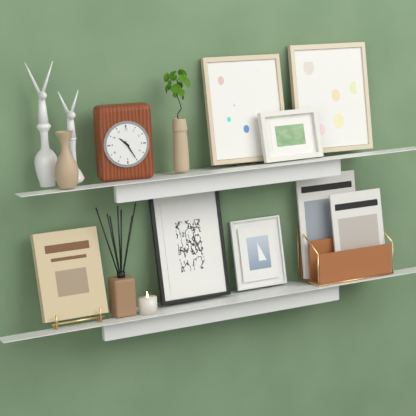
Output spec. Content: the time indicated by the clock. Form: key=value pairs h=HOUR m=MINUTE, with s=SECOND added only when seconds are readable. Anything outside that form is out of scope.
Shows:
h=10 m=25
